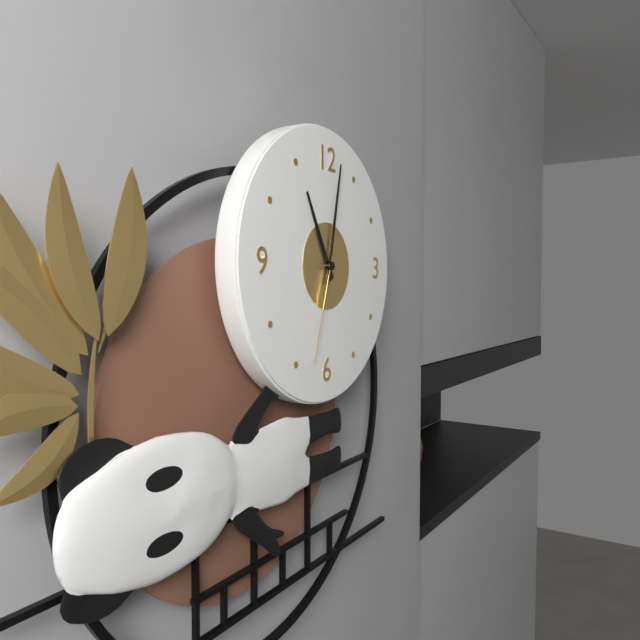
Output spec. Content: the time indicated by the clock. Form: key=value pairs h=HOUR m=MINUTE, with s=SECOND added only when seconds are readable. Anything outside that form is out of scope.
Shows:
h=11 m=2 s=33
